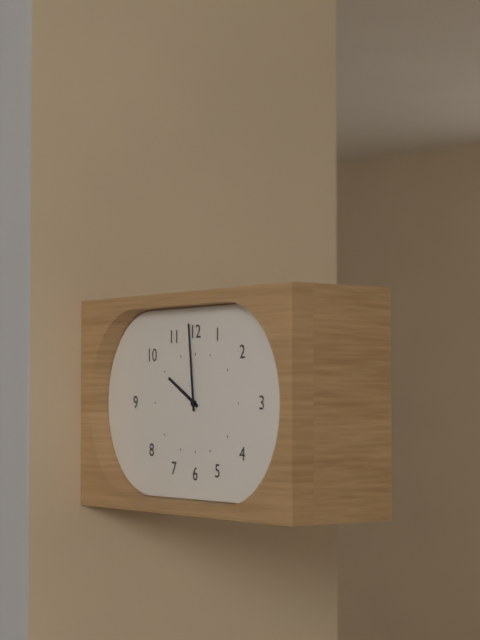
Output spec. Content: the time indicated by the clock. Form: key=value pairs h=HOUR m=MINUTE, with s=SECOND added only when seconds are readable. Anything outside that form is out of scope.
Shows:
h=9 m=59
